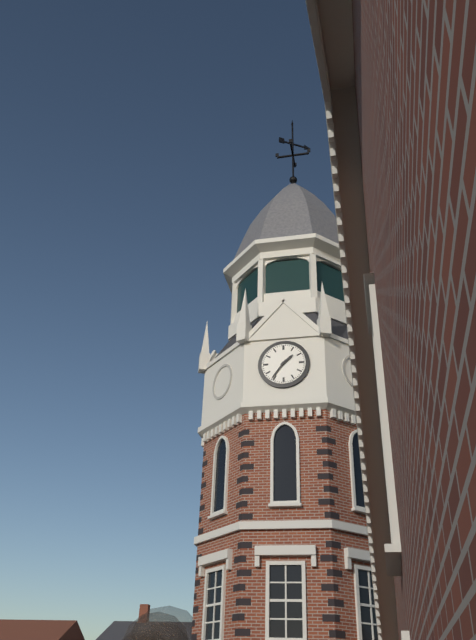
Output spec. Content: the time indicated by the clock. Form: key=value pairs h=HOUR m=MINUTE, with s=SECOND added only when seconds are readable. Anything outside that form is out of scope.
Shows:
h=1 m=36
